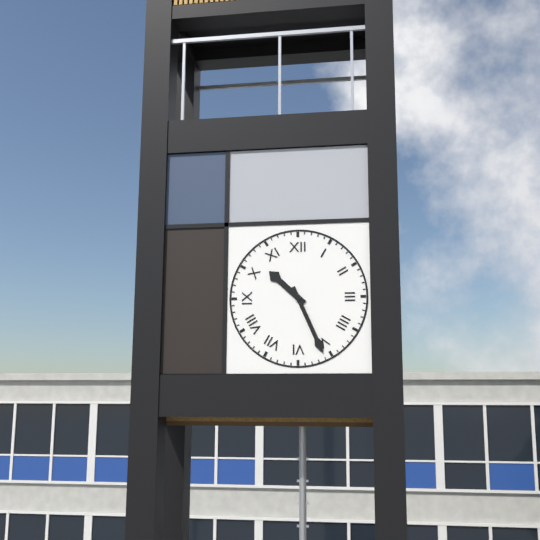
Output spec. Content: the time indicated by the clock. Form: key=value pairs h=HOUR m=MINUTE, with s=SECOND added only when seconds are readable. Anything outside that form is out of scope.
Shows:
h=10 m=26
